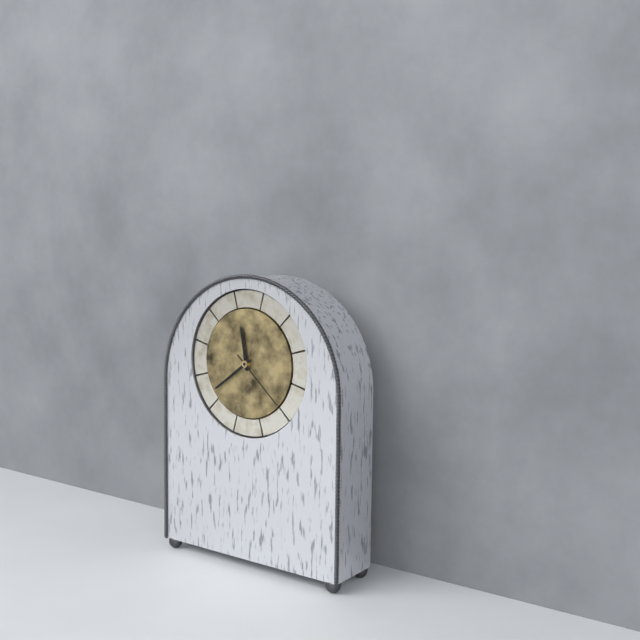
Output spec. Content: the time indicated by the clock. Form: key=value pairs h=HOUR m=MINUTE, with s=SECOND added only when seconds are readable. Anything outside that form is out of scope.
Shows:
h=11 m=39 s=22
